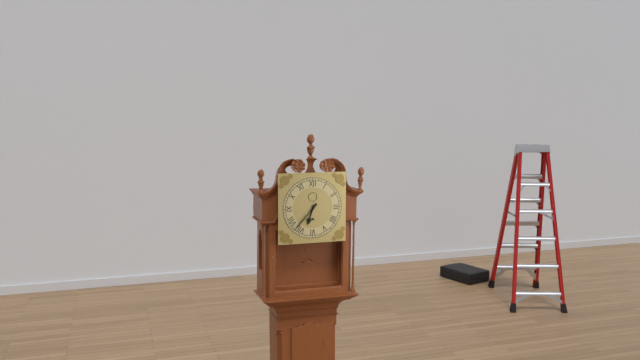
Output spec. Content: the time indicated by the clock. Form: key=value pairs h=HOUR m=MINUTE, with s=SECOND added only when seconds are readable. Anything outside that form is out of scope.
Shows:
h=6 m=37
